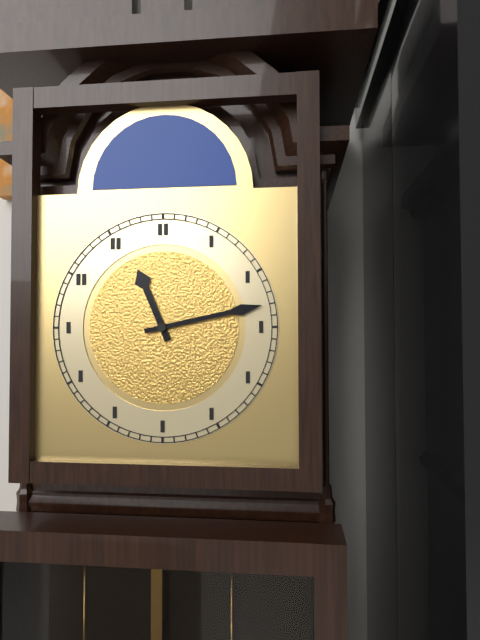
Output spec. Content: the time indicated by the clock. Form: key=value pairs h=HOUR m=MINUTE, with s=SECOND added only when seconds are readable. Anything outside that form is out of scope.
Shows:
h=11 m=13
